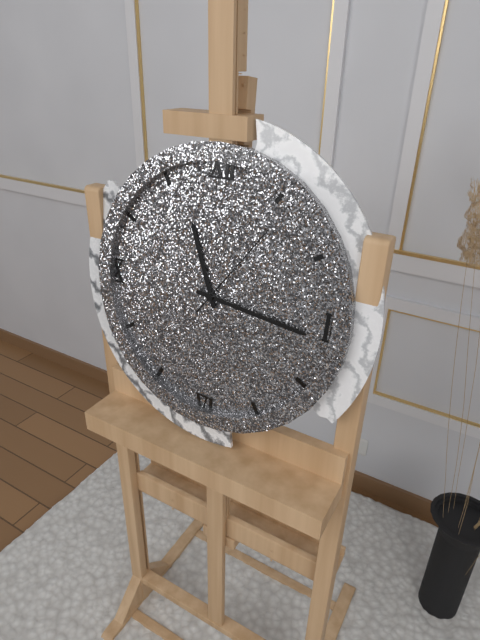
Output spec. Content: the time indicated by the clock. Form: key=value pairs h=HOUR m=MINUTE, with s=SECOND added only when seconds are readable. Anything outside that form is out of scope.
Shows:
h=11 m=16 s=6
